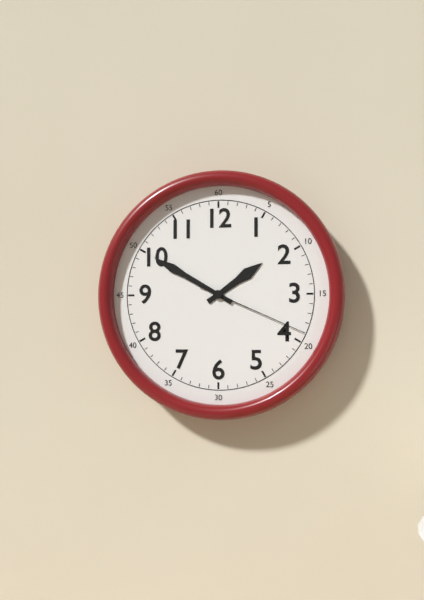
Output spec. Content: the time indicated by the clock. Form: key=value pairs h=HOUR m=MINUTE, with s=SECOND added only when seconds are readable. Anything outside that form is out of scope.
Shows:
h=1 m=50 s=19
